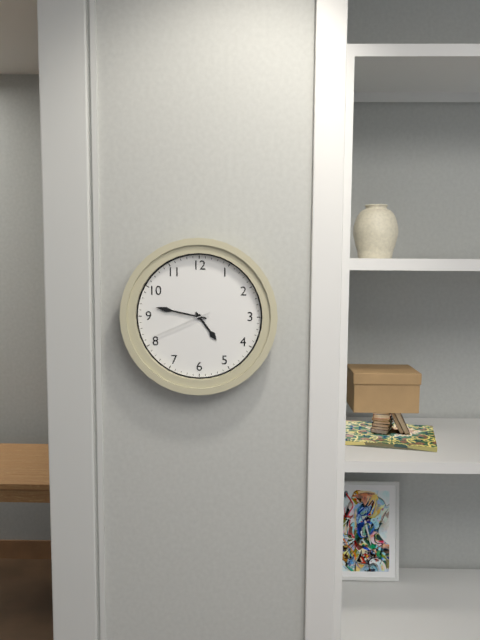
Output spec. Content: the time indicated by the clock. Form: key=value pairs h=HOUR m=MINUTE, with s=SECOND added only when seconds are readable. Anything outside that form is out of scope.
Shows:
h=4 m=47 s=41
